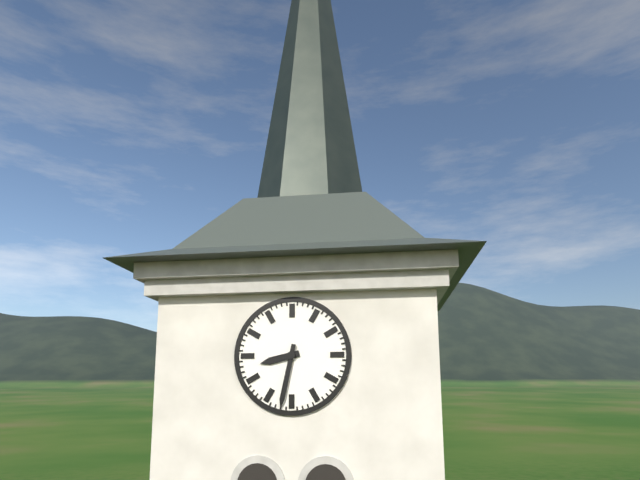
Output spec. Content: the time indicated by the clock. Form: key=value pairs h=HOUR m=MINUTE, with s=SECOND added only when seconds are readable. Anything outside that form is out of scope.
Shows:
h=8 m=32
